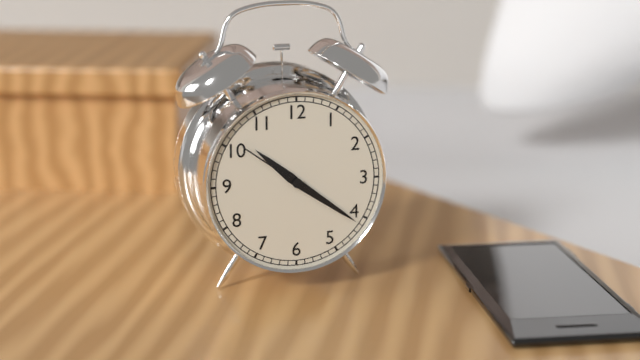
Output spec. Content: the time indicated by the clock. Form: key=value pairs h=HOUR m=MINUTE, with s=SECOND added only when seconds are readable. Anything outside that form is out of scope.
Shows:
h=10 m=21 s=51
